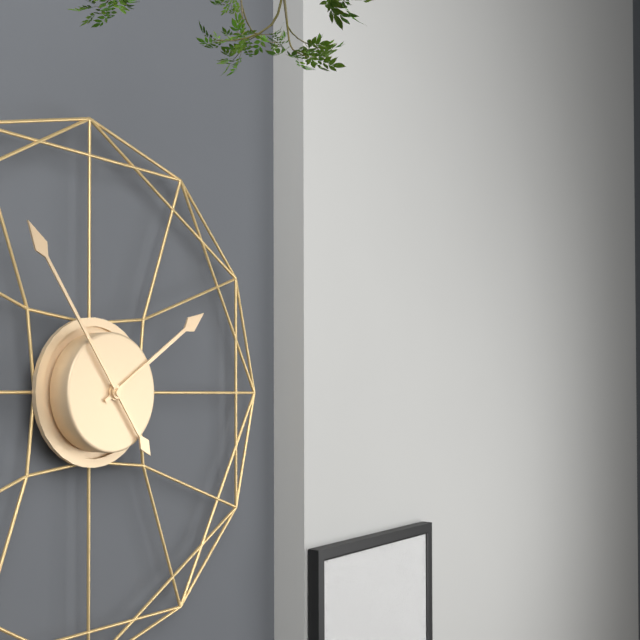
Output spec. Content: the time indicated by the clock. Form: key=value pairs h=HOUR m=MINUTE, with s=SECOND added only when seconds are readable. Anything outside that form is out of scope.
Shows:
h=1 m=54
